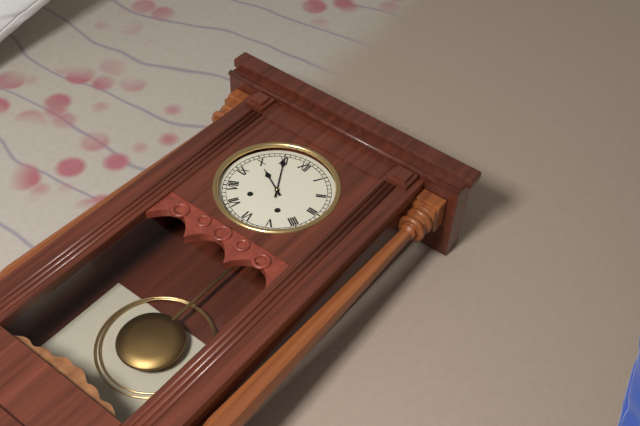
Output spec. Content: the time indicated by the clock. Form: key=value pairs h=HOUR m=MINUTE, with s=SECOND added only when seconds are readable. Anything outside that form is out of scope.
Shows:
h=9 m=55
